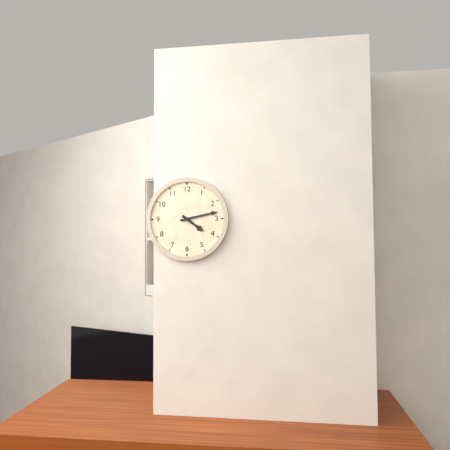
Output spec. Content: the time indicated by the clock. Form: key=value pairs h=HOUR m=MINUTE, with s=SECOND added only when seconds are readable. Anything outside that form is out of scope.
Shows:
h=4 m=13
